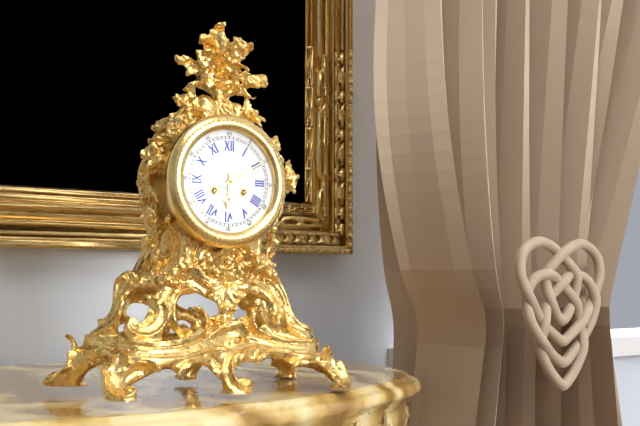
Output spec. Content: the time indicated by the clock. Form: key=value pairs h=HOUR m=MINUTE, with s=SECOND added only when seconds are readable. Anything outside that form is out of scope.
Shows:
h=6 m=10
